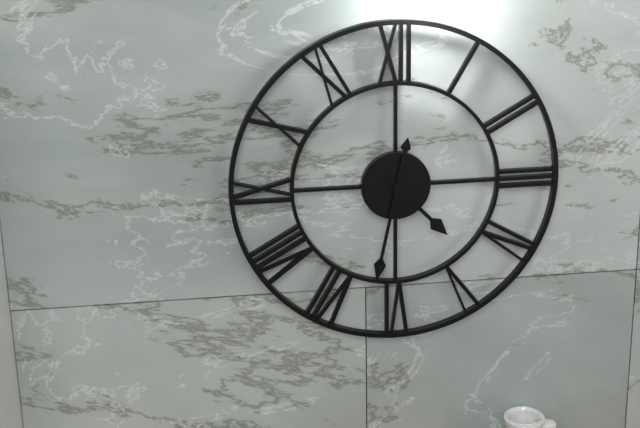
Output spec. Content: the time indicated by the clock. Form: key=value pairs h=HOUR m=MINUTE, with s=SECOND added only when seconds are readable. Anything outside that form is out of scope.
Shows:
h=4 m=32
